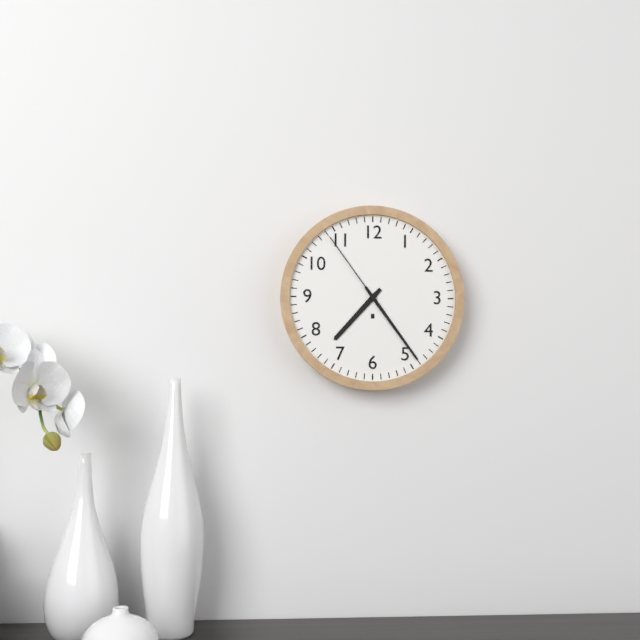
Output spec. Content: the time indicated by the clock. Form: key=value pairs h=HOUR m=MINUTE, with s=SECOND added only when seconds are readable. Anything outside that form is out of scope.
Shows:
h=7 m=24 s=54
